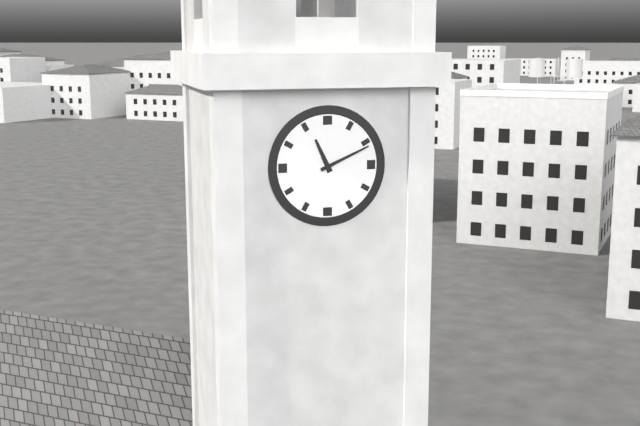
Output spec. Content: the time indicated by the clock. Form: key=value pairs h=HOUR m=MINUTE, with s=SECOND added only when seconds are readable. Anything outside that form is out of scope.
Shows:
h=11 m=11
